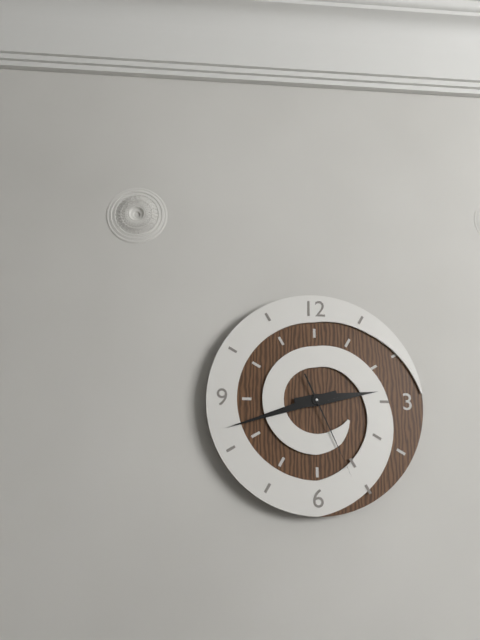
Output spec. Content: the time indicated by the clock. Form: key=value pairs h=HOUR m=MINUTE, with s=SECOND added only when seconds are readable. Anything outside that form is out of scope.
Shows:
h=2 m=42 s=26
